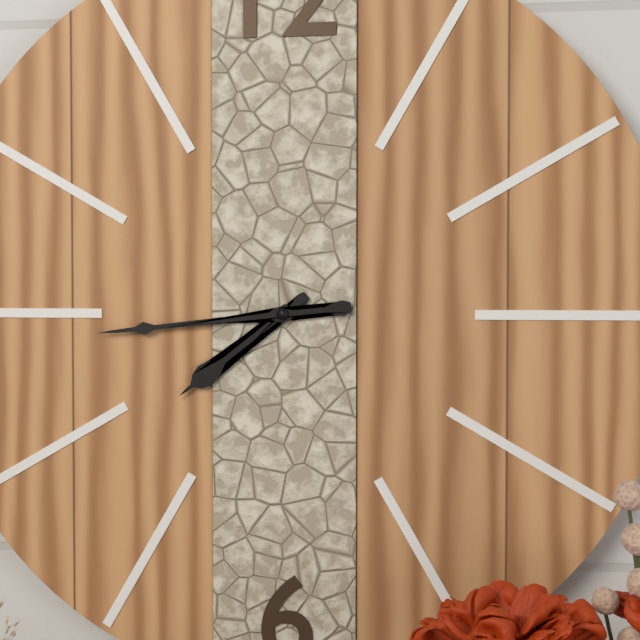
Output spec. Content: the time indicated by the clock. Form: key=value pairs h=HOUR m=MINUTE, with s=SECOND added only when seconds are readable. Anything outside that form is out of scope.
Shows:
h=7 m=44
